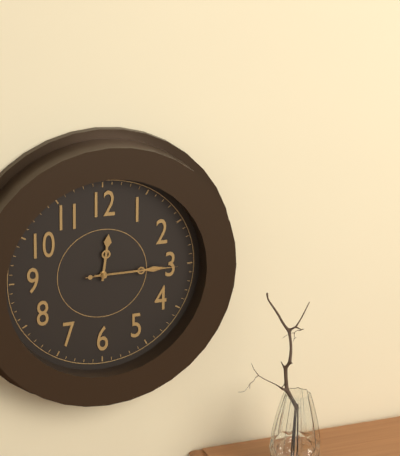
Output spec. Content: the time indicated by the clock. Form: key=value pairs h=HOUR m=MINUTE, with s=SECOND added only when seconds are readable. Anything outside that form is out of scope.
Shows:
h=12 m=15 s=15
